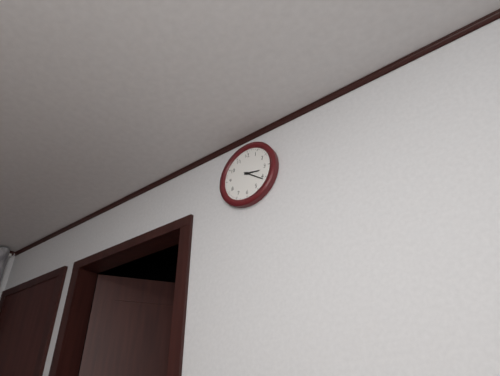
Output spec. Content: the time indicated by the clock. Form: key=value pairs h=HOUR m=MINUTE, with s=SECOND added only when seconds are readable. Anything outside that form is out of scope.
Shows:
h=3 m=21
